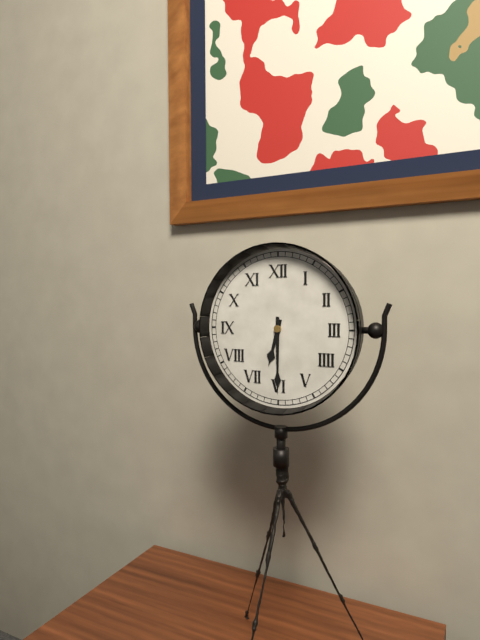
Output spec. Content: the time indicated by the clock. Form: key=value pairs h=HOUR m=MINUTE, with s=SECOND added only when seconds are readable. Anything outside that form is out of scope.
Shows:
h=6 m=30
